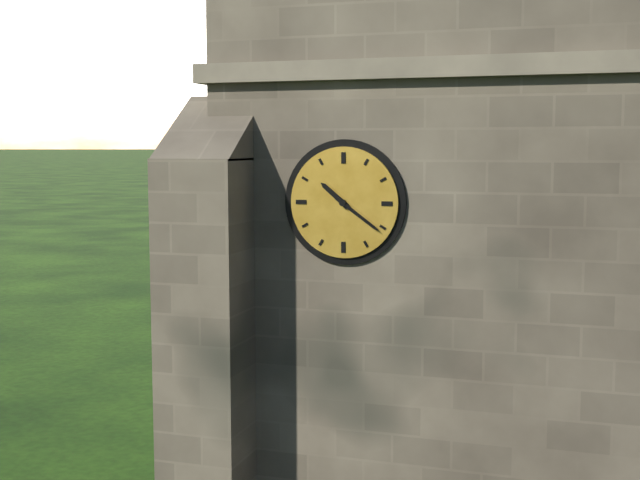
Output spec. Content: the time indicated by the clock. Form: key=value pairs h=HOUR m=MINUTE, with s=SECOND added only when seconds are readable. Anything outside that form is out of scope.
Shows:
h=10 m=21
